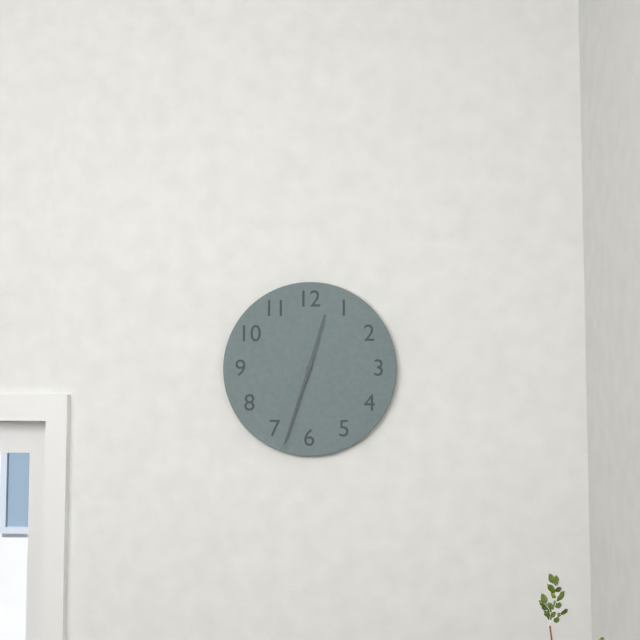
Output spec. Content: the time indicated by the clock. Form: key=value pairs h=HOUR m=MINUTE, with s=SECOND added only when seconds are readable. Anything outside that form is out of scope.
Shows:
h=12 m=33
